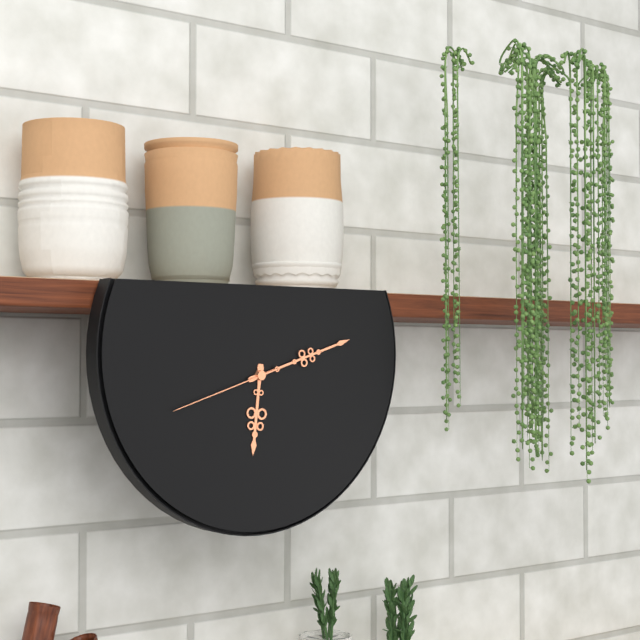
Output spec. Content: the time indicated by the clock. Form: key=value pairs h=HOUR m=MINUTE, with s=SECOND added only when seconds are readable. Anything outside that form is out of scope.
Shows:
h=6 m=12 s=42
